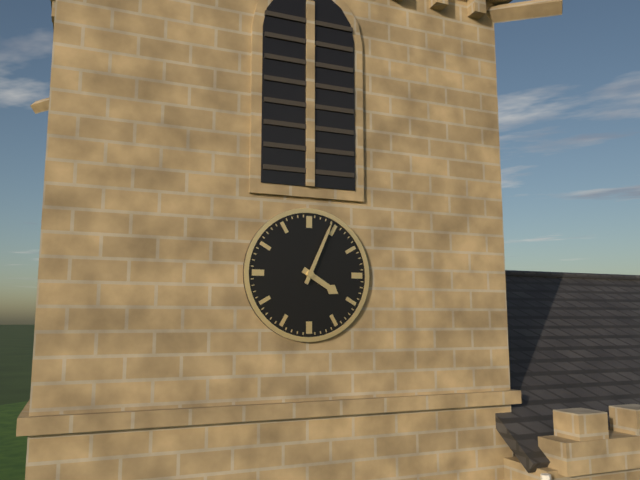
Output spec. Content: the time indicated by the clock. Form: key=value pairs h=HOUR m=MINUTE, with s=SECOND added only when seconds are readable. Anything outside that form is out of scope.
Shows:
h=4 m=4
